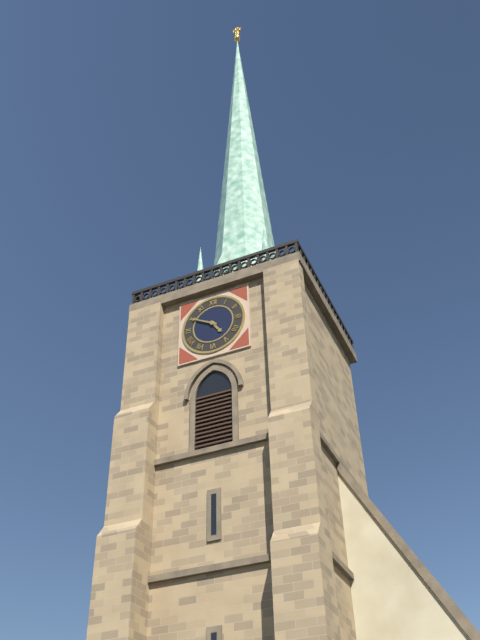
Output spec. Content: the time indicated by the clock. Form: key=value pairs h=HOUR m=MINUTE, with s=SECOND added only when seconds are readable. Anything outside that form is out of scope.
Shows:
h=4 m=50
